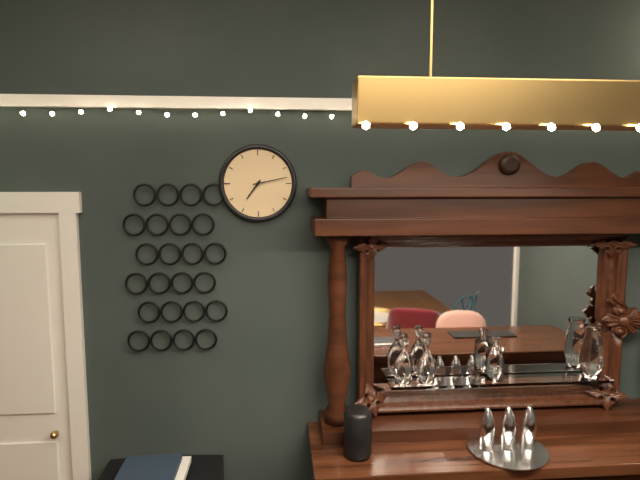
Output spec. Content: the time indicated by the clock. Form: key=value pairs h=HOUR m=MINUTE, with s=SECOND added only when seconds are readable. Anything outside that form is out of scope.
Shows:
h=7 m=13
